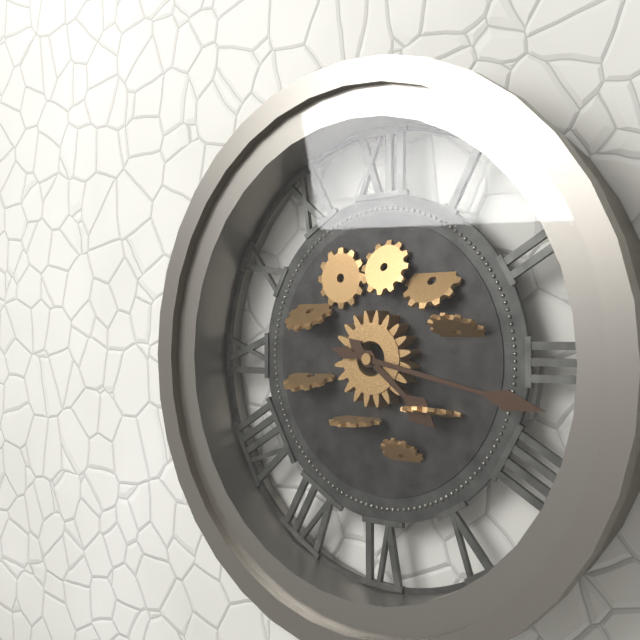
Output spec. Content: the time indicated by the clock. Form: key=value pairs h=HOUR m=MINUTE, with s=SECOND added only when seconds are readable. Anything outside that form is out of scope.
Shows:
h=4 m=17
